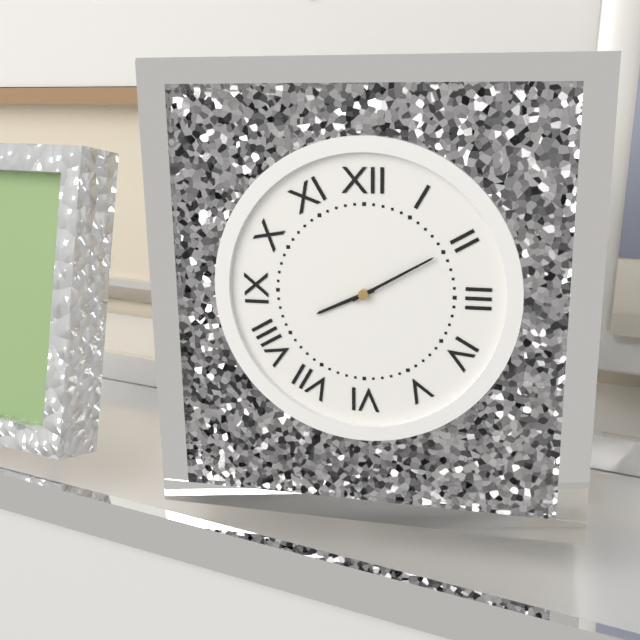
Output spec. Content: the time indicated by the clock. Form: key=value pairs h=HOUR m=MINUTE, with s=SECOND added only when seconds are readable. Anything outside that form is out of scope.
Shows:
h=8 m=10
